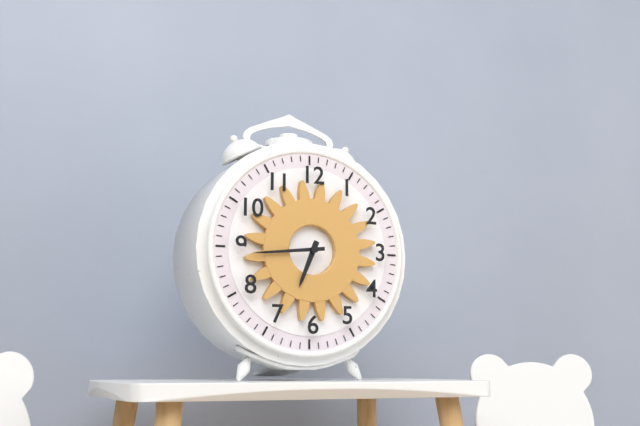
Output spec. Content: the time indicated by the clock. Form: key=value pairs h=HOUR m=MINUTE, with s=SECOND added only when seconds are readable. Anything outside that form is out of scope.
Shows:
h=6 m=44
